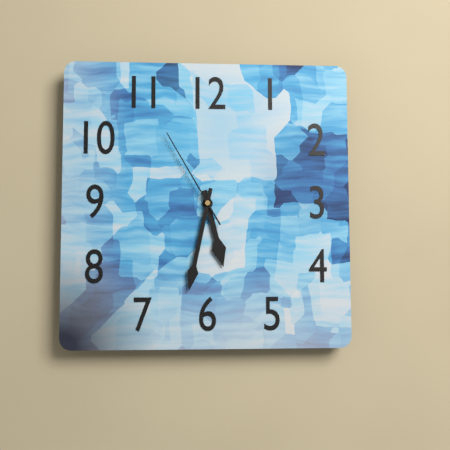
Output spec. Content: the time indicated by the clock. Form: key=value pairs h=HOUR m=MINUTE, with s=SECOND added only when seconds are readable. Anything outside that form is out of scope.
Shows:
h=5 m=32 s=55
